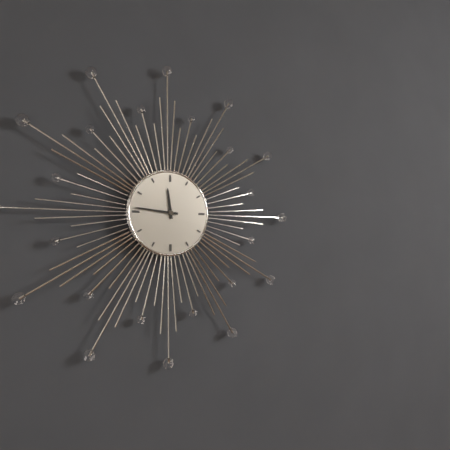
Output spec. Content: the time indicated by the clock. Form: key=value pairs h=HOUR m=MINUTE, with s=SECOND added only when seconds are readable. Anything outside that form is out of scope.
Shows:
h=11 m=46
